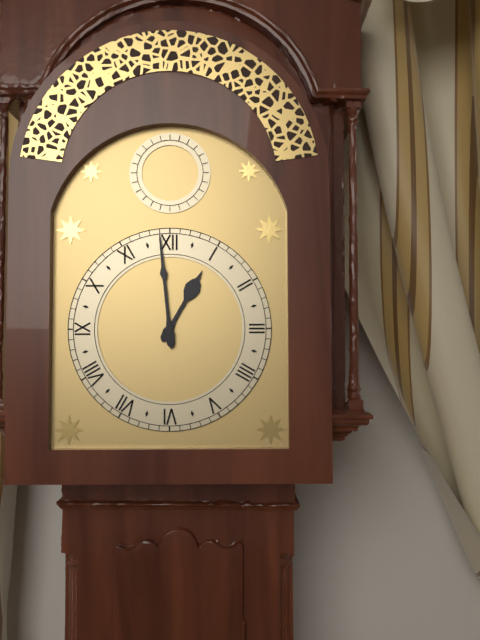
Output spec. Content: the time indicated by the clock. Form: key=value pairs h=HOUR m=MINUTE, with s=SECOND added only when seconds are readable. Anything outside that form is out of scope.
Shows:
h=12 m=59
